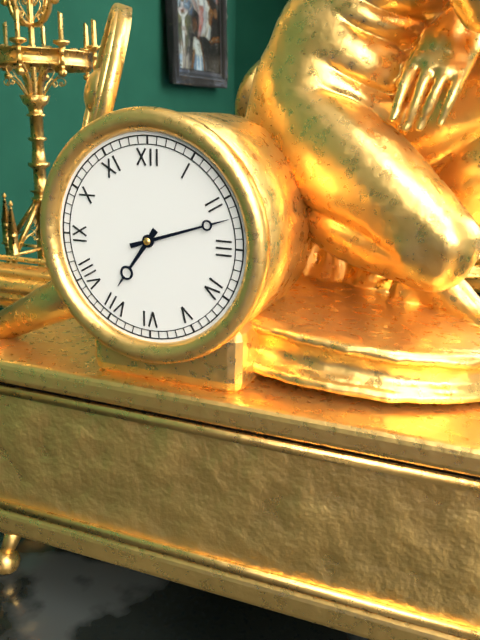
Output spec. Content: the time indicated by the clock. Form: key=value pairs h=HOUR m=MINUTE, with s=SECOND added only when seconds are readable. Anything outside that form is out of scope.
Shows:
h=7 m=12
